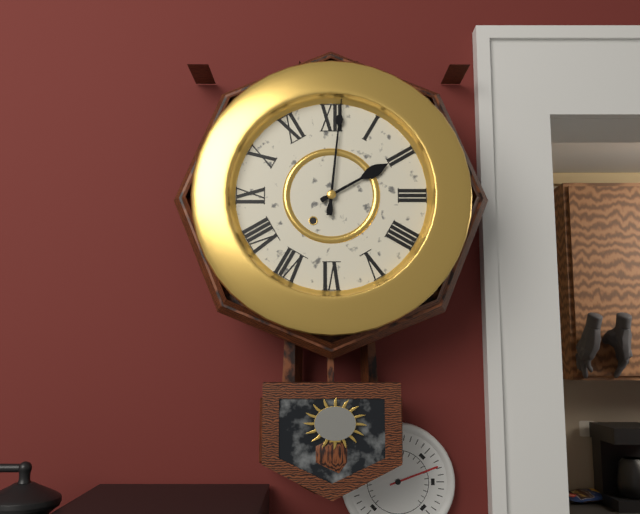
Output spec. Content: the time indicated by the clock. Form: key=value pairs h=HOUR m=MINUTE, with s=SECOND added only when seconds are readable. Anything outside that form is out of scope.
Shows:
h=2 m=1
